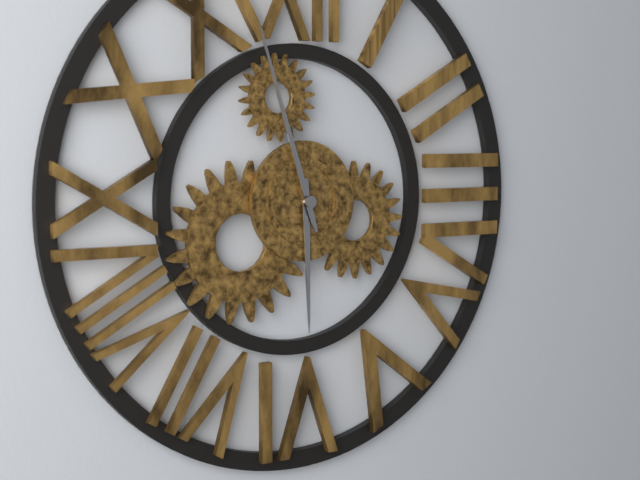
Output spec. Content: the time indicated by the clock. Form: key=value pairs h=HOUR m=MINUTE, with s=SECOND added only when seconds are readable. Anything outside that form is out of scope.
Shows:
h=5 m=57
